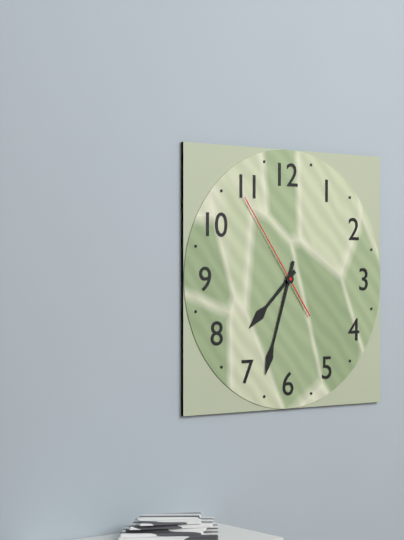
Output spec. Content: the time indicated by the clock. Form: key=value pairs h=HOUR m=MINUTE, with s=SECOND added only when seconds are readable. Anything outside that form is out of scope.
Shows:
h=7 m=33 s=54
